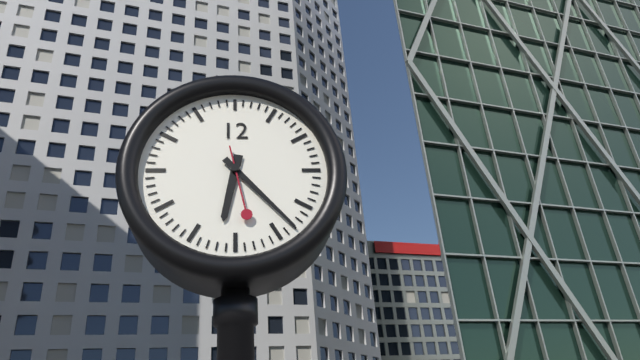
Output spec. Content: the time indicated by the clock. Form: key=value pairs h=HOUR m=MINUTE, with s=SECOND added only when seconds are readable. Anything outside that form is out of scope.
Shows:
h=6 m=23 s=28
